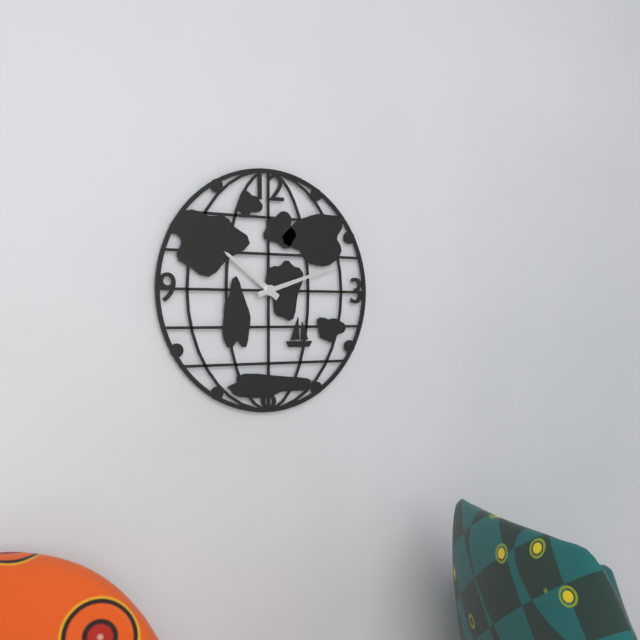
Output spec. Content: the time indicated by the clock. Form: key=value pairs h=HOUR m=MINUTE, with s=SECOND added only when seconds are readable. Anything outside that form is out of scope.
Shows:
h=10 m=12
